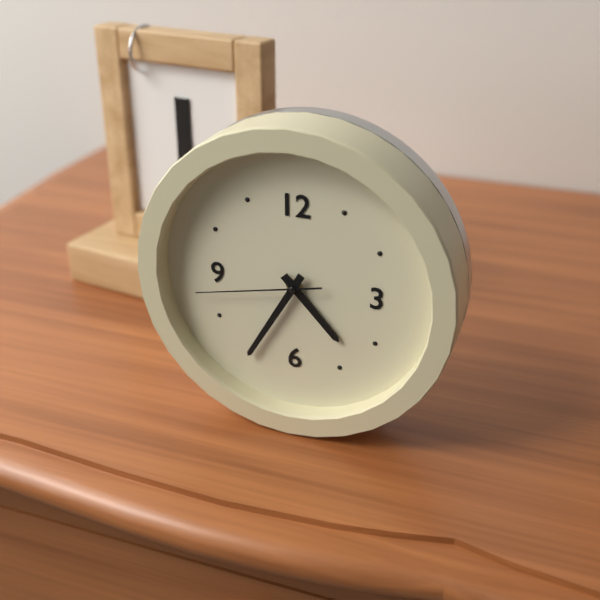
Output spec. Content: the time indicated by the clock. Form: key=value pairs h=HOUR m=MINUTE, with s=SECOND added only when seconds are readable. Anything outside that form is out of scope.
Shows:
h=4 m=35 s=43
